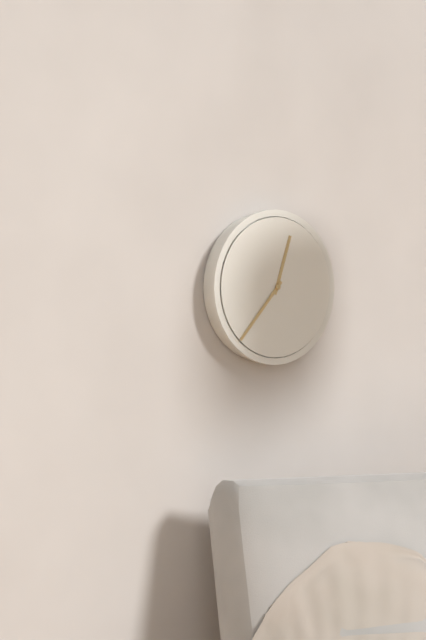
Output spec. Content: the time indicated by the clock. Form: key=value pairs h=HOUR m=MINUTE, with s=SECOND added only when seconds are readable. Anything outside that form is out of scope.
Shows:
h=12 m=37
